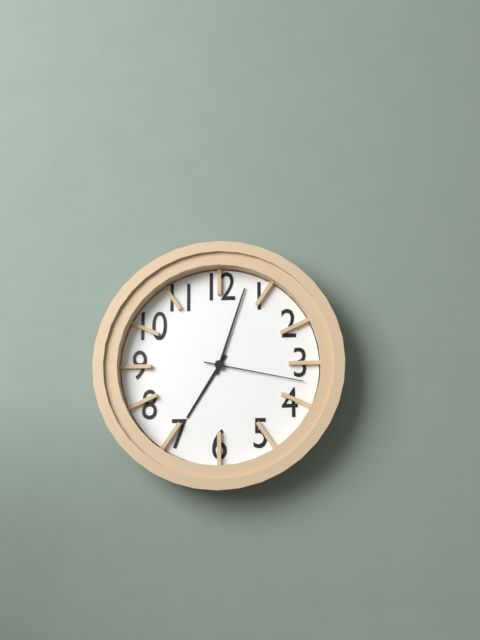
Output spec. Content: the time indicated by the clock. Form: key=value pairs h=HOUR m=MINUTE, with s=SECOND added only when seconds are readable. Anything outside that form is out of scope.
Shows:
h=7 m=3 s=17
